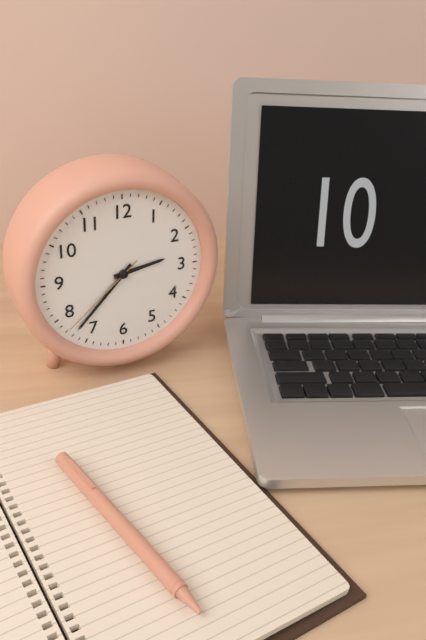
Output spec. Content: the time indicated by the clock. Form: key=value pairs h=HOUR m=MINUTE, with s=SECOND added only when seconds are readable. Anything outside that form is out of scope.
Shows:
h=2 m=37 s=38
